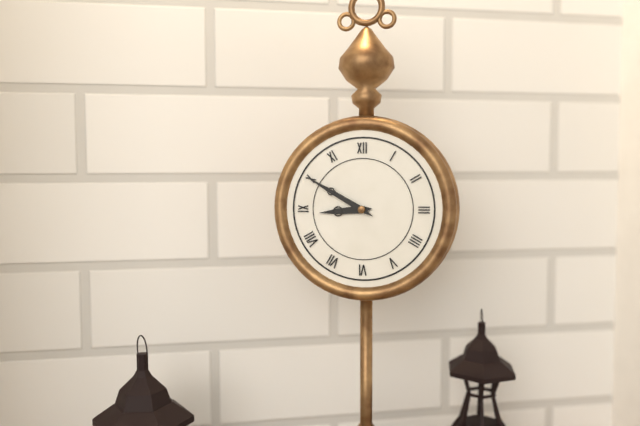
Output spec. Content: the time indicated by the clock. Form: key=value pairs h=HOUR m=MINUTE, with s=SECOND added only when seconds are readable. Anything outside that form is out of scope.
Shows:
h=8 m=50
